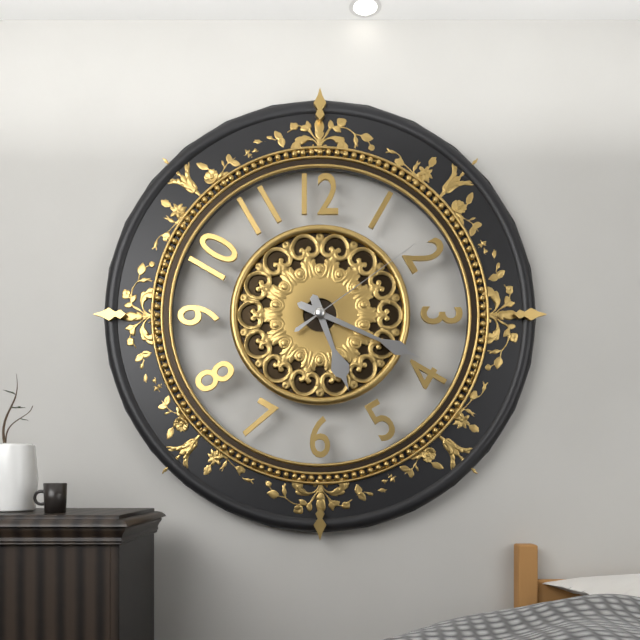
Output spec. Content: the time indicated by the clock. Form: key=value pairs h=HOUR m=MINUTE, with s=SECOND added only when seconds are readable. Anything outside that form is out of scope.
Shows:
h=5 m=19 s=9
